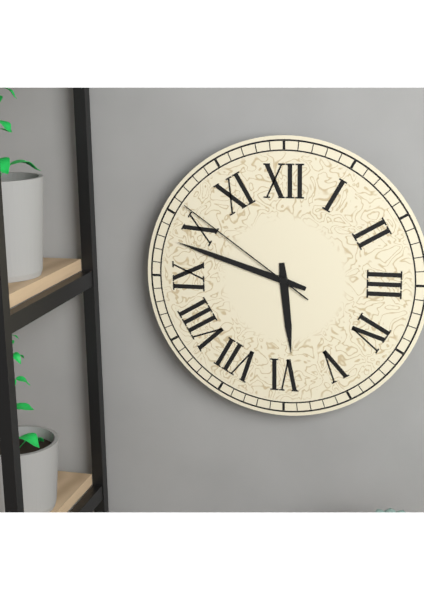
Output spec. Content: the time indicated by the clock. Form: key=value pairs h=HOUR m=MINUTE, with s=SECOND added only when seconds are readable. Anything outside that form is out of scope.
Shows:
h=5 m=48 s=51
